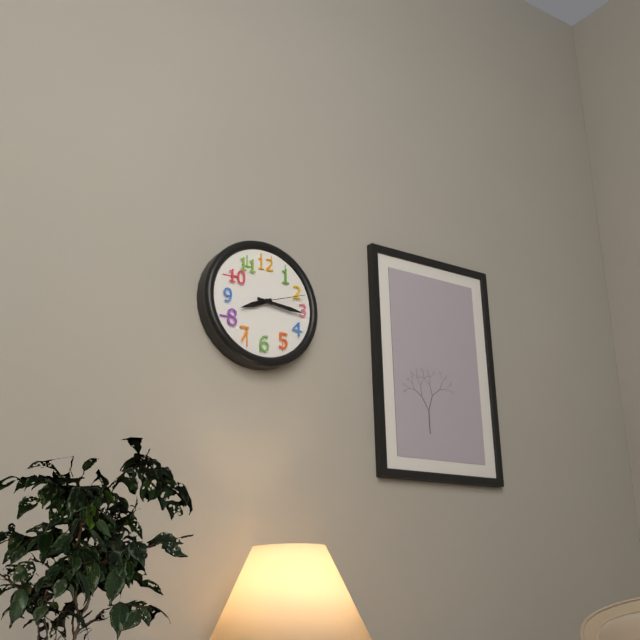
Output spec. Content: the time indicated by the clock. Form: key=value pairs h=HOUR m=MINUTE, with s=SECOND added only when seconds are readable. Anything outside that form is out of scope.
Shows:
h=8 m=16 s=12
